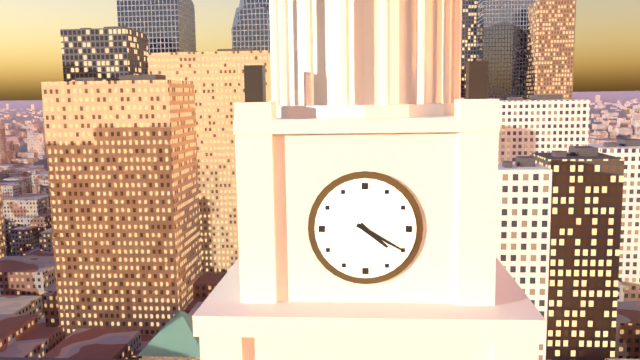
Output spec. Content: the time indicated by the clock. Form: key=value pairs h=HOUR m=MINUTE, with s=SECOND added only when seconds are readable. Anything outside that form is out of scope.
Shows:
h=4 m=20
